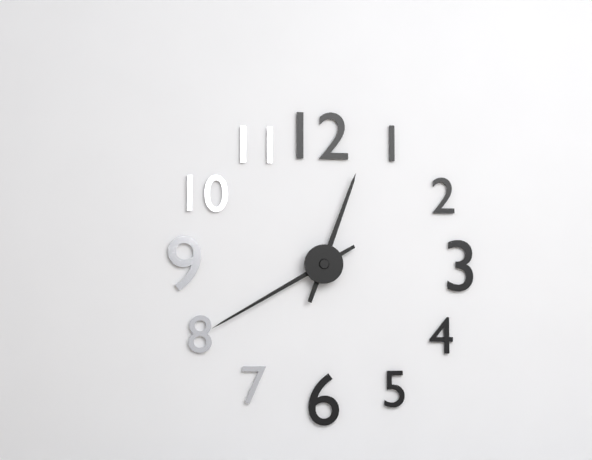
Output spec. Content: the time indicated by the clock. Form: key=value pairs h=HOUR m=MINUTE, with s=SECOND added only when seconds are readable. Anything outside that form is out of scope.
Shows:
h=12 m=40
